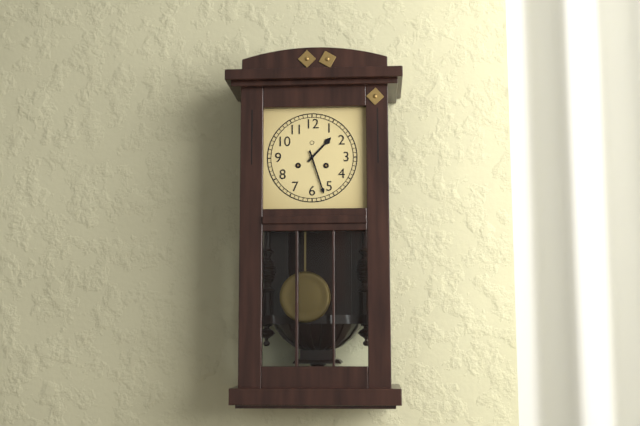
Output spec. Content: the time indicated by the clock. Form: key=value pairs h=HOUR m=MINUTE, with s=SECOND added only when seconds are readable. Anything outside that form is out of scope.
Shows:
h=1 m=27
